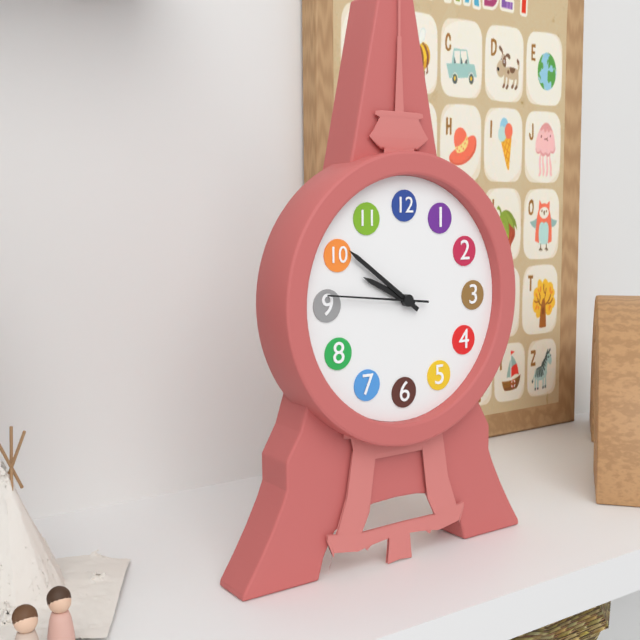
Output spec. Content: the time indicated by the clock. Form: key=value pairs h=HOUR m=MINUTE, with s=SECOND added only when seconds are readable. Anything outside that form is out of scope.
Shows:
h=9 m=51 s=46
